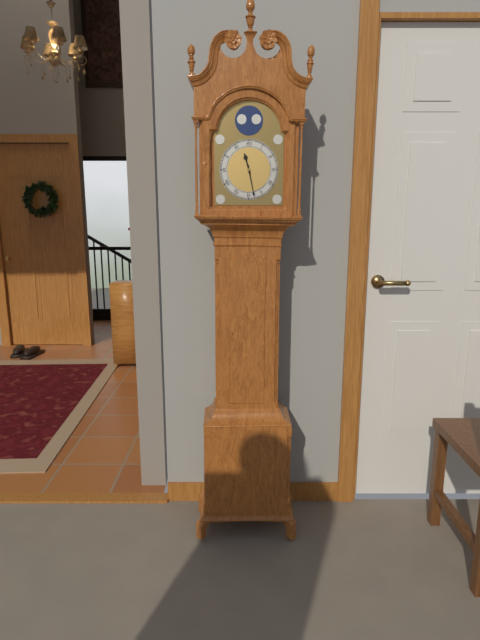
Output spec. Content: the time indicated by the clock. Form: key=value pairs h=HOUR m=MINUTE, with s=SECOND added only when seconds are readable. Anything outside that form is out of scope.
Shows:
h=11 m=28
